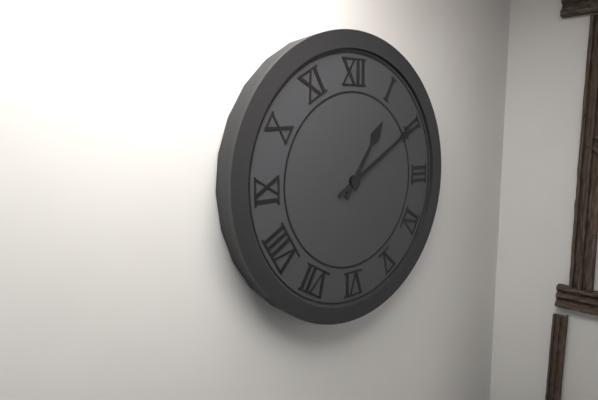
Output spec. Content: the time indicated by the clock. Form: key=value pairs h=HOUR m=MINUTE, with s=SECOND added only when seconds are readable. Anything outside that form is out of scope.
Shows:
h=1 m=10
